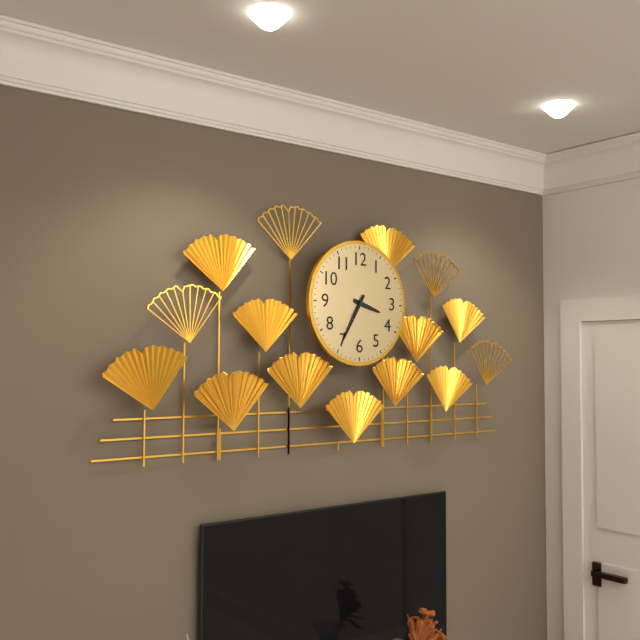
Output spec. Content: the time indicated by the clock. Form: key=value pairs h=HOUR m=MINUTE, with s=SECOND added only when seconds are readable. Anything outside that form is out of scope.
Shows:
h=3 m=35
